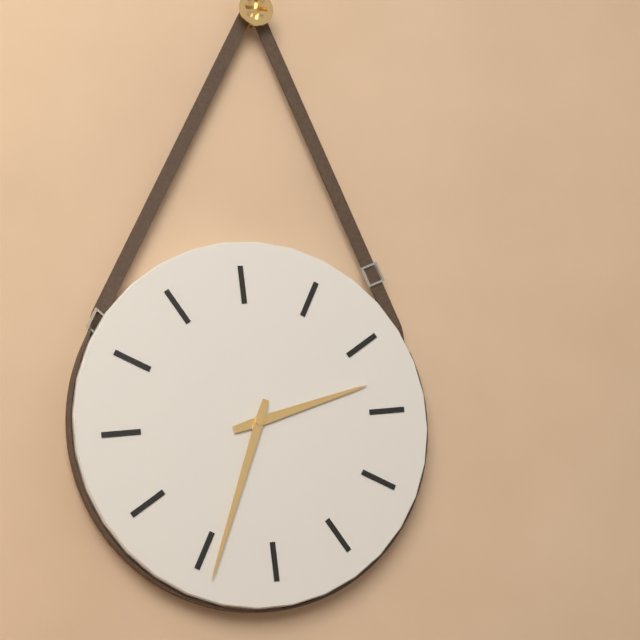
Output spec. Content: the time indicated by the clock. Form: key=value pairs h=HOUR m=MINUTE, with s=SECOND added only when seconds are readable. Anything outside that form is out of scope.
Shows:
h=2 m=34
